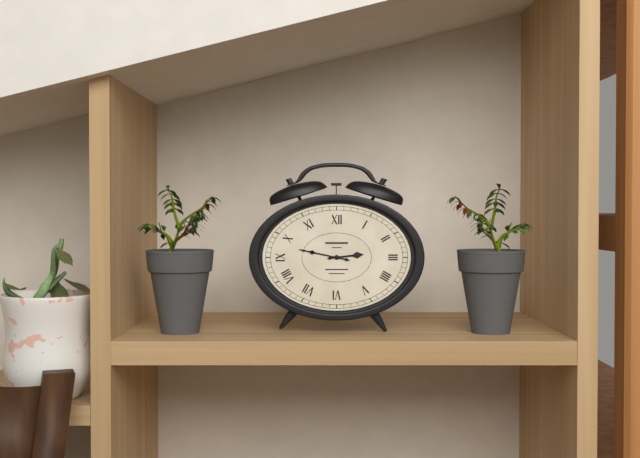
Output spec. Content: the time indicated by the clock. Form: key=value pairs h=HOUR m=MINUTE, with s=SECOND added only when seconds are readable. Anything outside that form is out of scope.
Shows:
h=2 m=47
